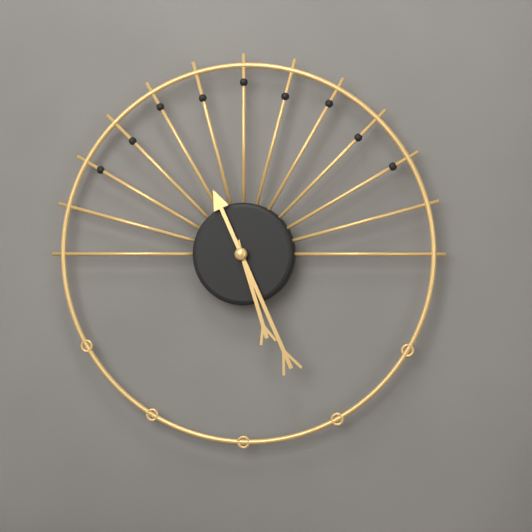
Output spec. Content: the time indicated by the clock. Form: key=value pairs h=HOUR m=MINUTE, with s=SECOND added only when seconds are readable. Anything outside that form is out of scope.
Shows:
h=5 m=26
